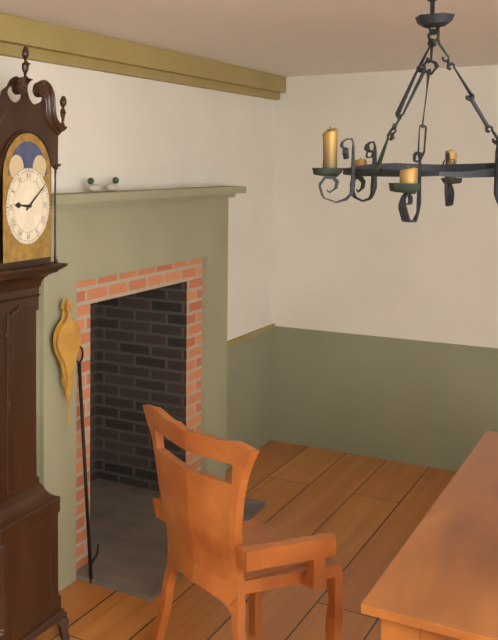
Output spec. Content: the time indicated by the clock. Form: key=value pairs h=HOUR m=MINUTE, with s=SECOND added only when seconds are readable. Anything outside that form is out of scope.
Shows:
h=9 m=9
